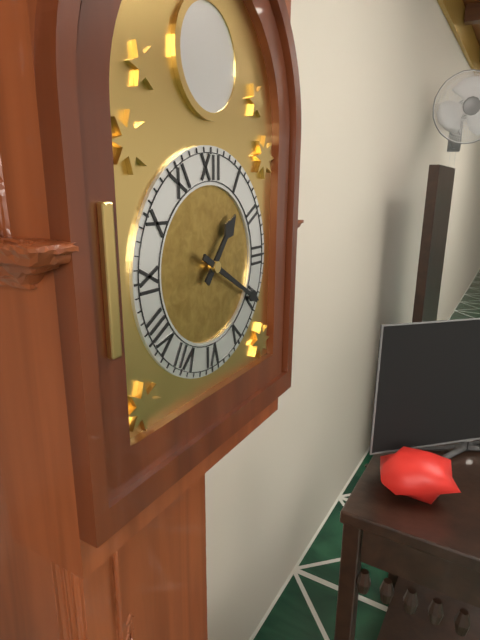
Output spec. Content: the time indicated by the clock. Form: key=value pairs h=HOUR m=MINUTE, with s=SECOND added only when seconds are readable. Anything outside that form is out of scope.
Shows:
h=1 m=20
